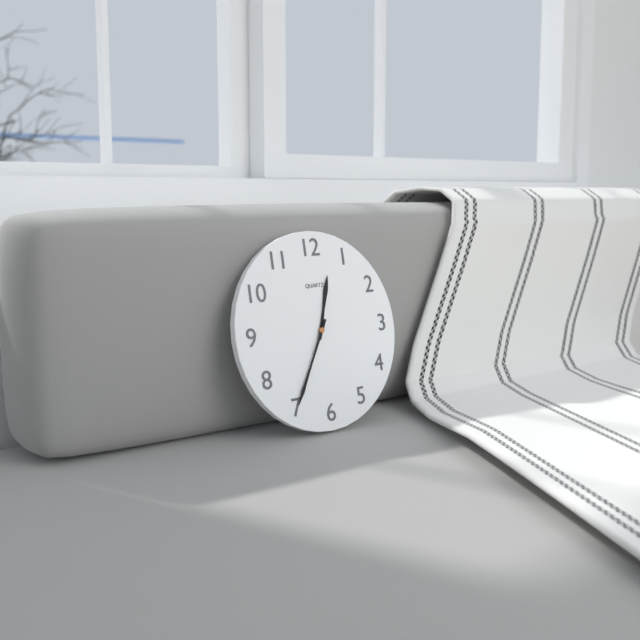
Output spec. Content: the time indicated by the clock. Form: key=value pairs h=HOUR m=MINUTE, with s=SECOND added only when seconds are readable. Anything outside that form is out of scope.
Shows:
h=12 m=35
